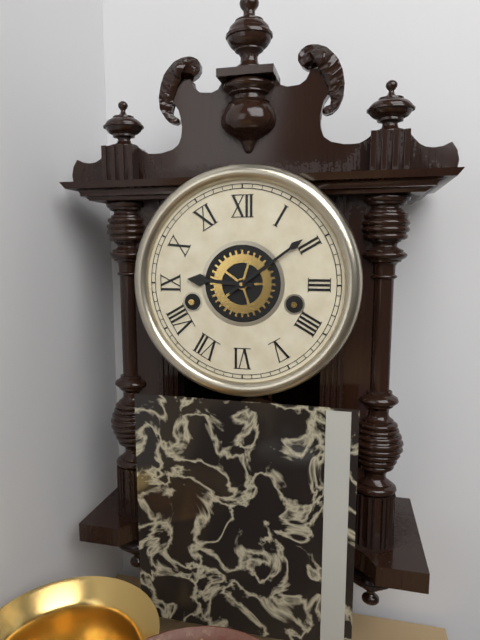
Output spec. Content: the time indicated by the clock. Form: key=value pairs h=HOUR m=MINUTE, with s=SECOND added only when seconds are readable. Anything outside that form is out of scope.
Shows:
h=9 m=9
